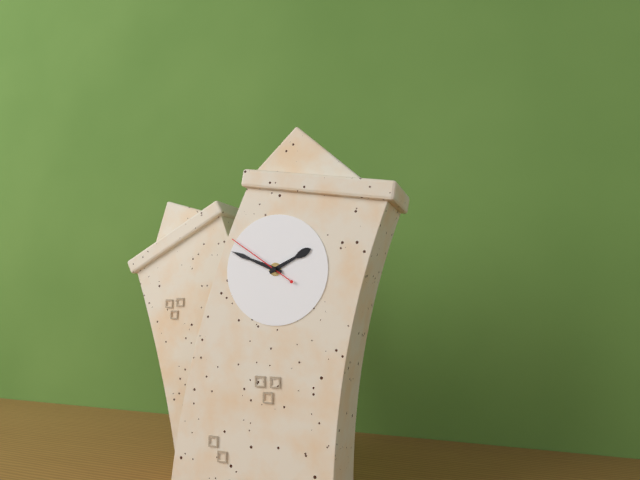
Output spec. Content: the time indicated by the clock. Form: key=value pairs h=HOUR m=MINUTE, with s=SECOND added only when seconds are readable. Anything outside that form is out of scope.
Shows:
h=1 m=47 s=49
